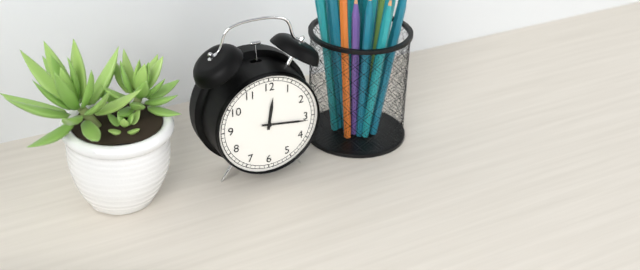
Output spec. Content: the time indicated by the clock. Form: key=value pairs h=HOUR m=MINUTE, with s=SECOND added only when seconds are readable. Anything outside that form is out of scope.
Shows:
h=12 m=16
